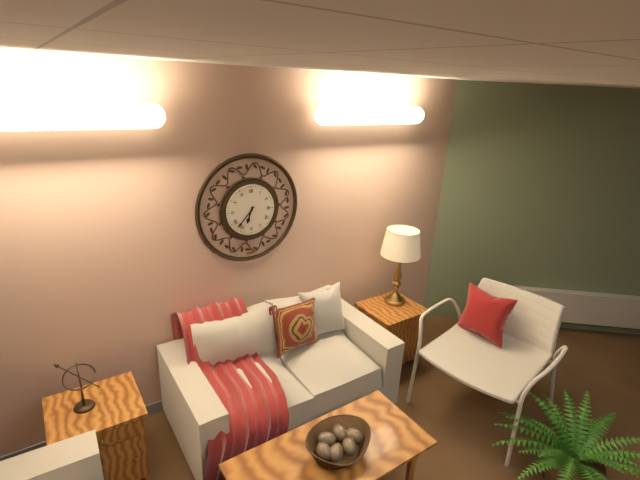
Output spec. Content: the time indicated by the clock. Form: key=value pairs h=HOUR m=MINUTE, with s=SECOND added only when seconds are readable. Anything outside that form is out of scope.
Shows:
h=6 m=37
